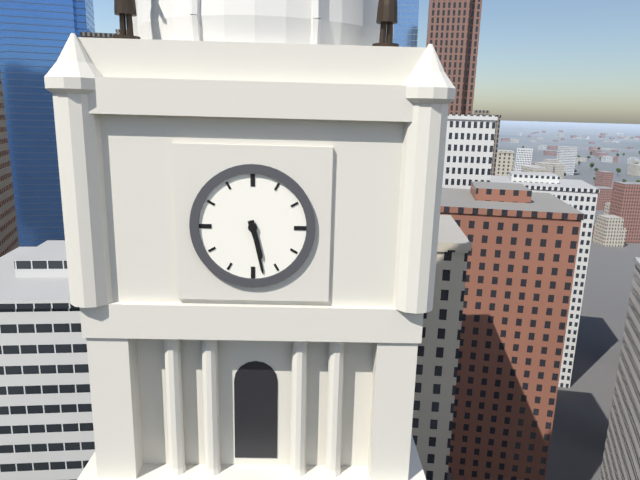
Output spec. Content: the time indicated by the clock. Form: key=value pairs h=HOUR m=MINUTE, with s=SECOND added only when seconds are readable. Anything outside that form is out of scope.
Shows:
h=5 m=28
